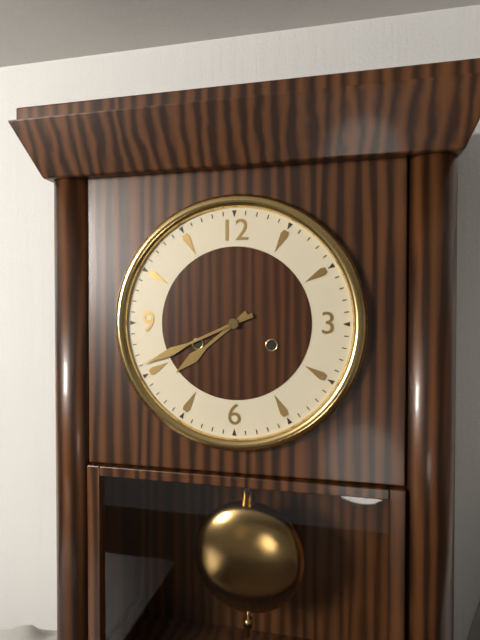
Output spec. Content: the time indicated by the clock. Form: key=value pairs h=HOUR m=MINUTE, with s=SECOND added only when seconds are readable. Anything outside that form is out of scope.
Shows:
h=7 m=41
